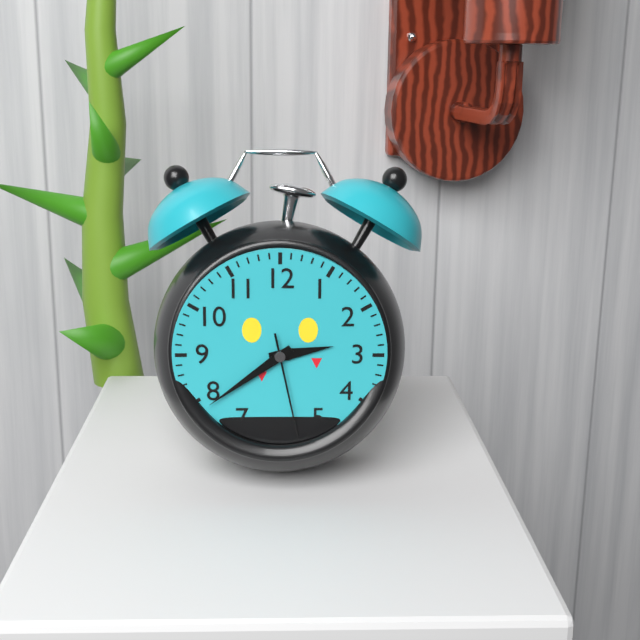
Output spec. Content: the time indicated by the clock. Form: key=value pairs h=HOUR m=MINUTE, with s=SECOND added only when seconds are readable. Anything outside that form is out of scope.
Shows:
h=2 m=39 s=28
